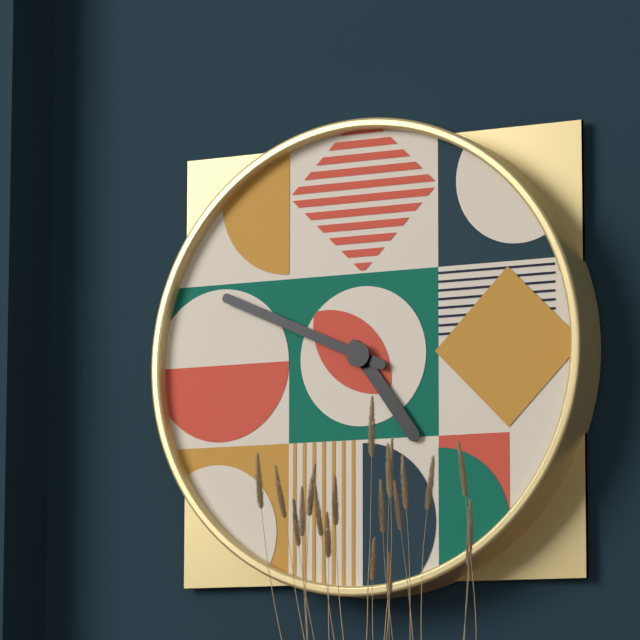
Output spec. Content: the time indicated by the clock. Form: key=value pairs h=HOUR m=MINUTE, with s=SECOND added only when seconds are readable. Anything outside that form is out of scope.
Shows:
h=4 m=49
